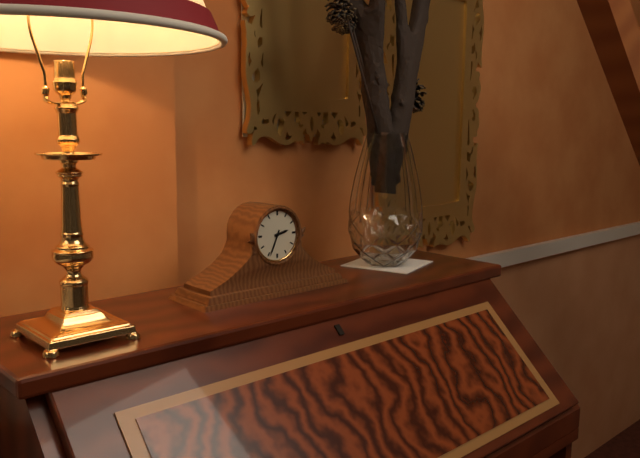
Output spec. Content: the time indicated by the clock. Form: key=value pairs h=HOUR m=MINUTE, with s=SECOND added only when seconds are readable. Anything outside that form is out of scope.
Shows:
h=2 m=34
